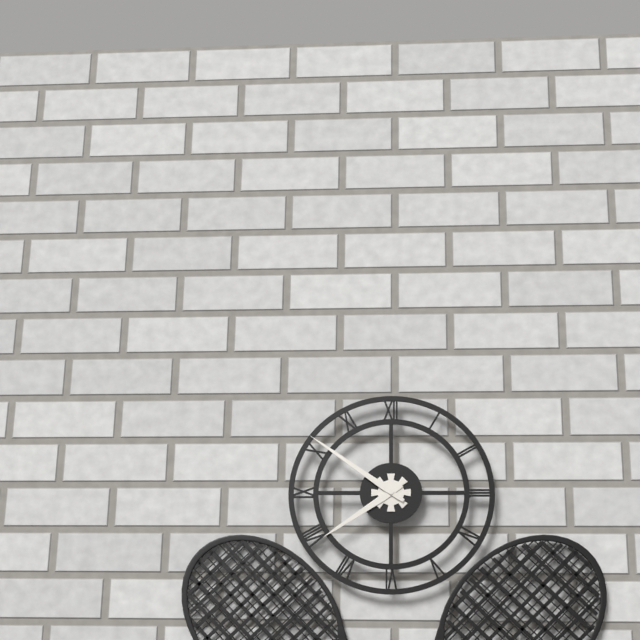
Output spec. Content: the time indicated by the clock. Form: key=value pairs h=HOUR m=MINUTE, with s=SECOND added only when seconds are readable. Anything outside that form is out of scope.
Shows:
h=7 m=51
